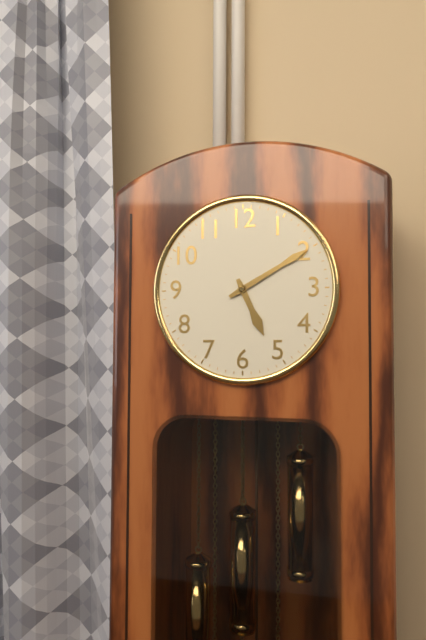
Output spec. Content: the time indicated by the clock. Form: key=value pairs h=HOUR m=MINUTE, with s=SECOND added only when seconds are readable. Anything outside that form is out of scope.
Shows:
h=5 m=10
